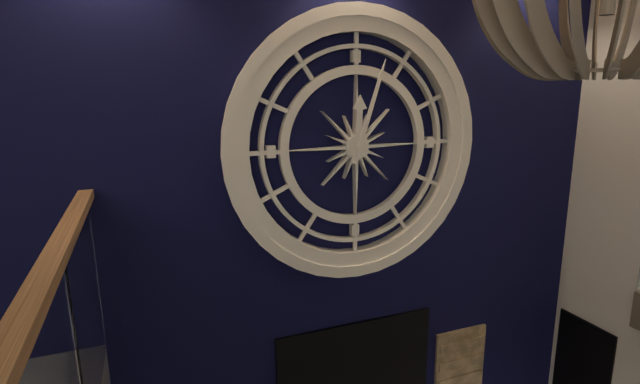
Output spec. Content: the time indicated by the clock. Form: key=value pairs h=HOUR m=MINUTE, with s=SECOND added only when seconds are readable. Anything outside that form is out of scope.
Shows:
h=12 m=3
